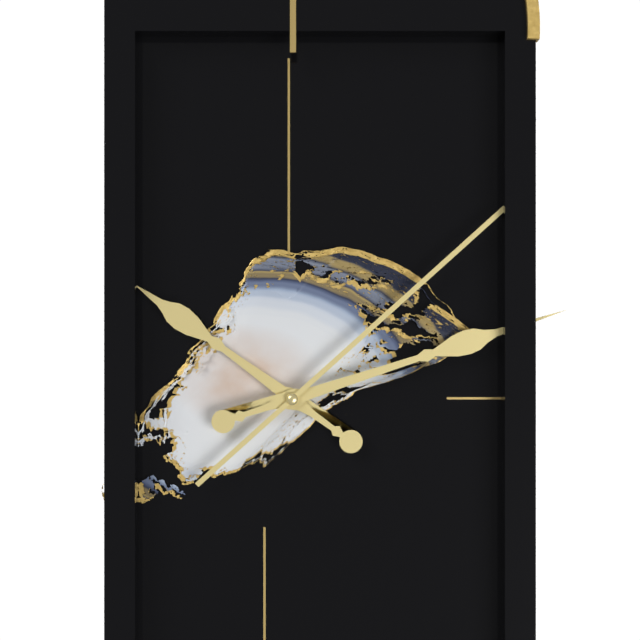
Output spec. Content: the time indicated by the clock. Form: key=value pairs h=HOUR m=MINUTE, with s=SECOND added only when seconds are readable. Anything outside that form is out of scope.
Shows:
h=10 m=12 s=8
